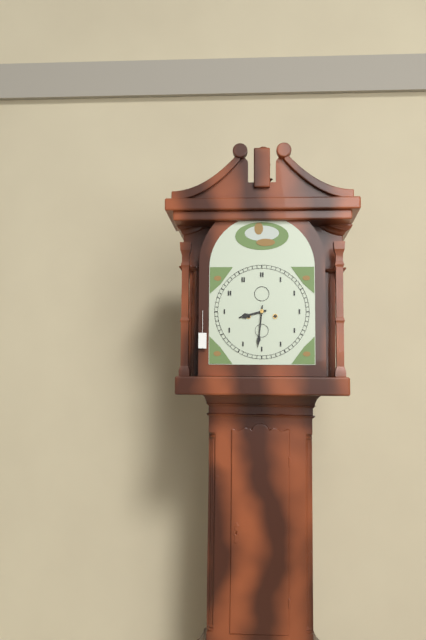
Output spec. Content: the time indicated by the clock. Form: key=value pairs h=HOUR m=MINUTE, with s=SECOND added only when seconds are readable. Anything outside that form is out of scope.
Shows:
h=8 m=31
